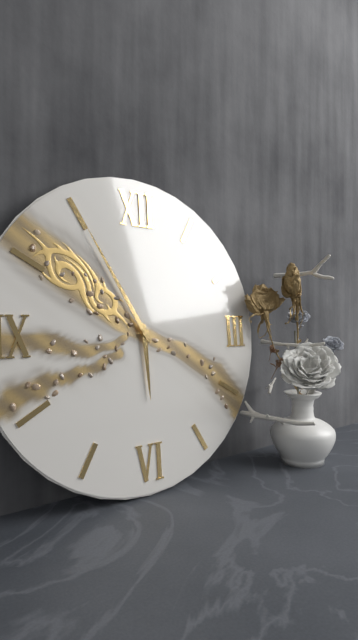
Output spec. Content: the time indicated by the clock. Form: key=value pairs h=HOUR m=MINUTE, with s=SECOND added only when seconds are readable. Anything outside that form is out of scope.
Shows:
h=5 m=55
